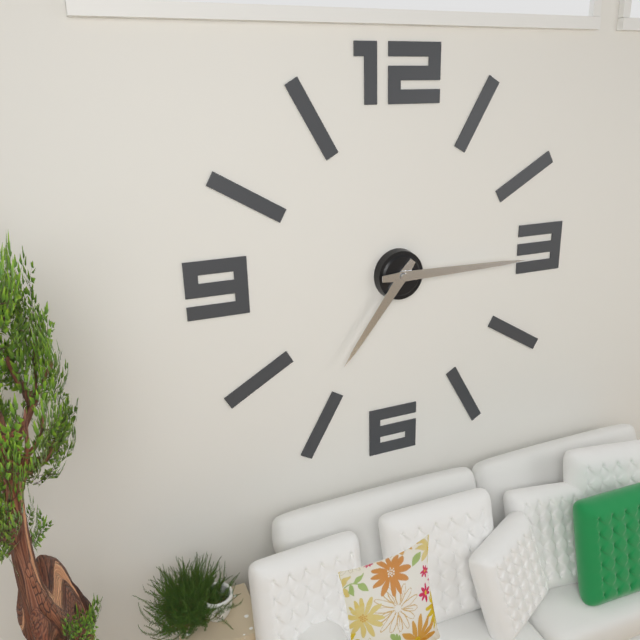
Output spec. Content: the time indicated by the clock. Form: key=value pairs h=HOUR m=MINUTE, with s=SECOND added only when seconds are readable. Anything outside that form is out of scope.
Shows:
h=7 m=15
